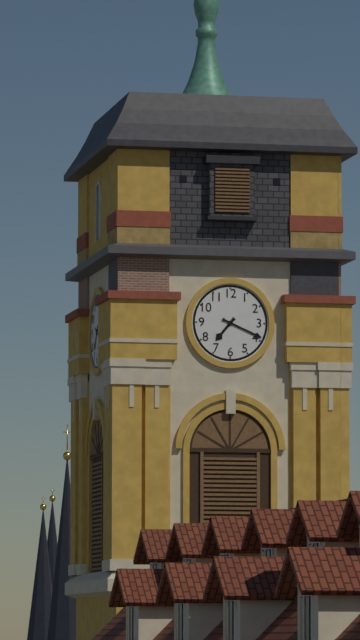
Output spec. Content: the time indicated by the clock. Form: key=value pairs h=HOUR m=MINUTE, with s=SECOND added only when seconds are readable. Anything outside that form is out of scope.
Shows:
h=7 m=19
